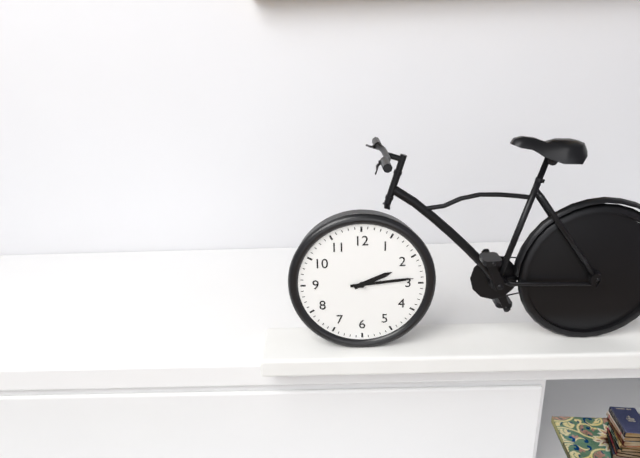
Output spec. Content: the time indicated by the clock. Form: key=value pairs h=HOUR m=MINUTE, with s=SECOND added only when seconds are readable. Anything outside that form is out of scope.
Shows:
h=2 m=14
